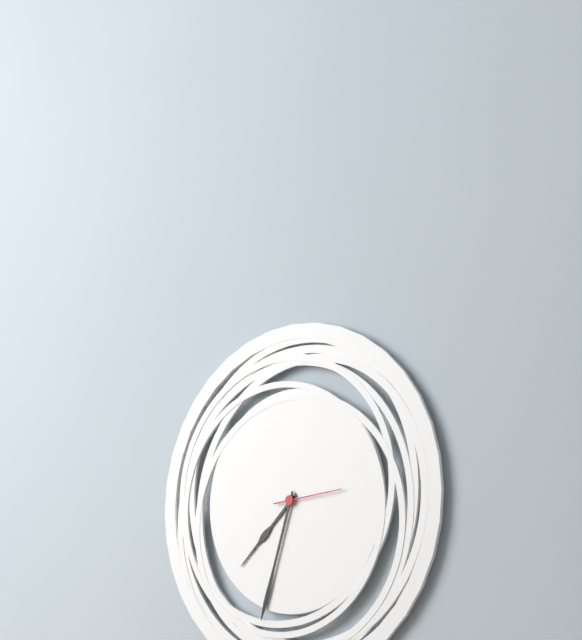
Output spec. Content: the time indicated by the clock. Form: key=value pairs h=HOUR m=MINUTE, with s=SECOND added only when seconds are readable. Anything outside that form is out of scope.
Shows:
h=7 m=33 s=14
